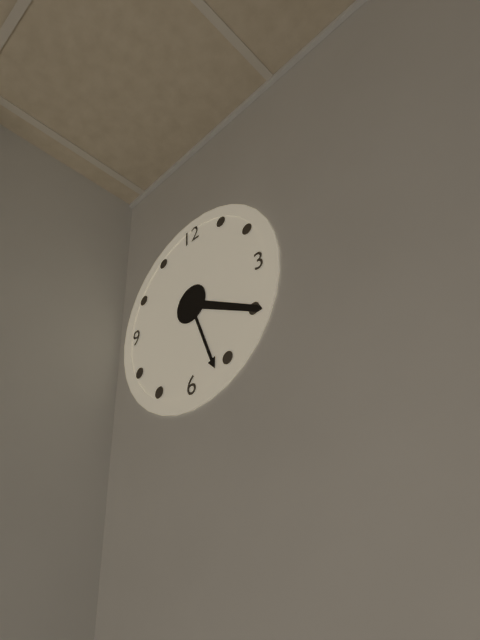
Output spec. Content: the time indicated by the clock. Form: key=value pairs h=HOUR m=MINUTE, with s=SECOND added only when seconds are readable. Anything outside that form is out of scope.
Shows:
h=5 m=20
